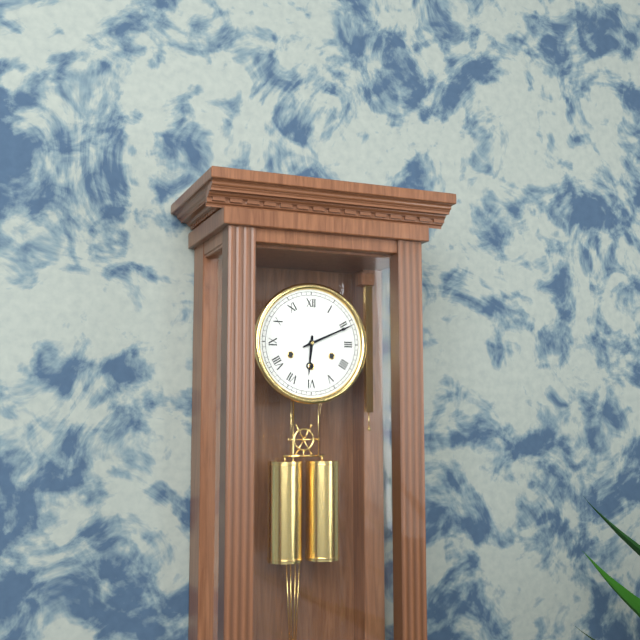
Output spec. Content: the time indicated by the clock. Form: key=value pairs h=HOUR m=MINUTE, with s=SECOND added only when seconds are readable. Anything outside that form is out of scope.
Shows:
h=6 m=11
